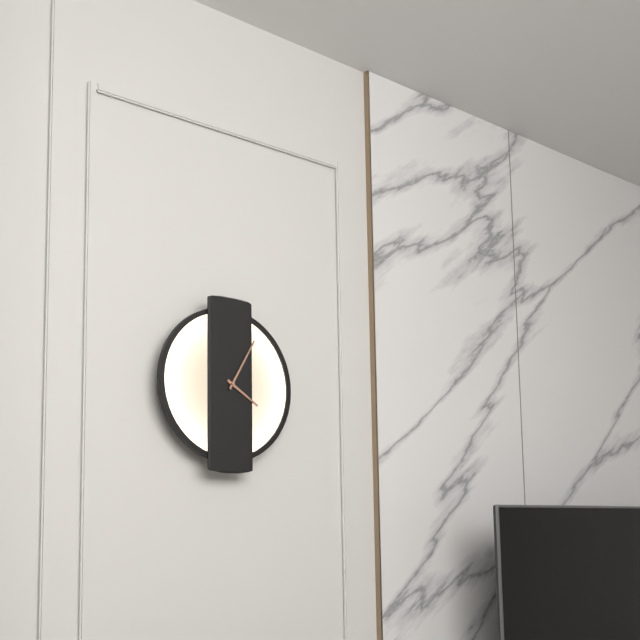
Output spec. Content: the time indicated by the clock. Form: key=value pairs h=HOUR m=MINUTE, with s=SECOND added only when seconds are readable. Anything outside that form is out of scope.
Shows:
h=4 m=5
